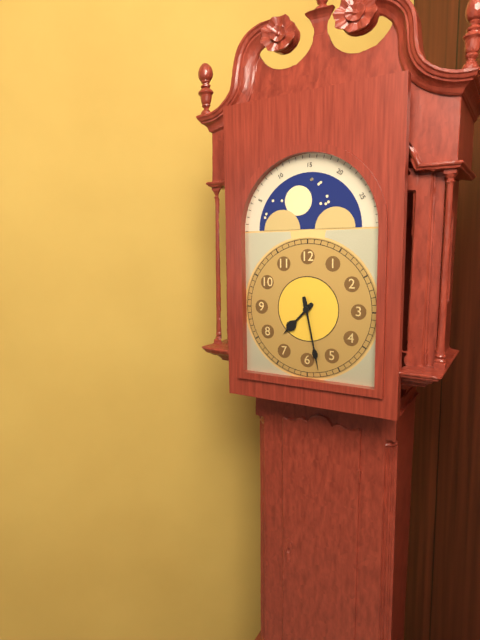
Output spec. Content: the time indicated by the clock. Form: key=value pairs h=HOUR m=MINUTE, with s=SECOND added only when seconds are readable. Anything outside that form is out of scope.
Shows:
h=7 m=28
